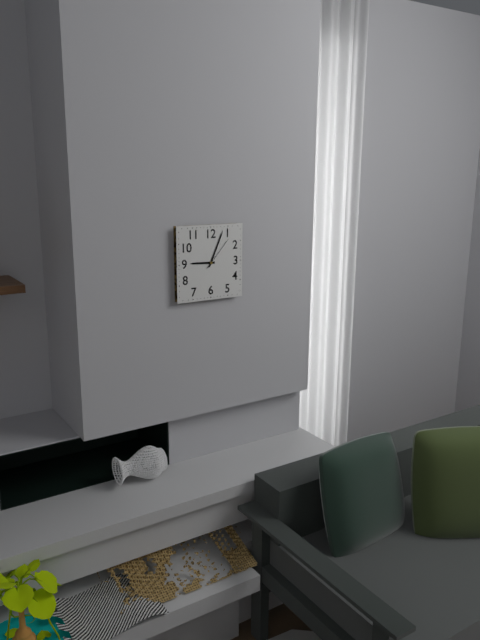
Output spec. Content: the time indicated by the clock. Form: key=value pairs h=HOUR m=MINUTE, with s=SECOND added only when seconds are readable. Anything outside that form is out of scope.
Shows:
h=9 m=4
